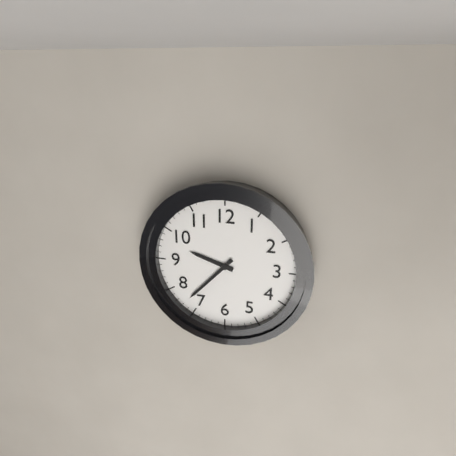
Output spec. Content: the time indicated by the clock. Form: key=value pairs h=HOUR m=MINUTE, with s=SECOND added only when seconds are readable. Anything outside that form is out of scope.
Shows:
h=9 m=37
